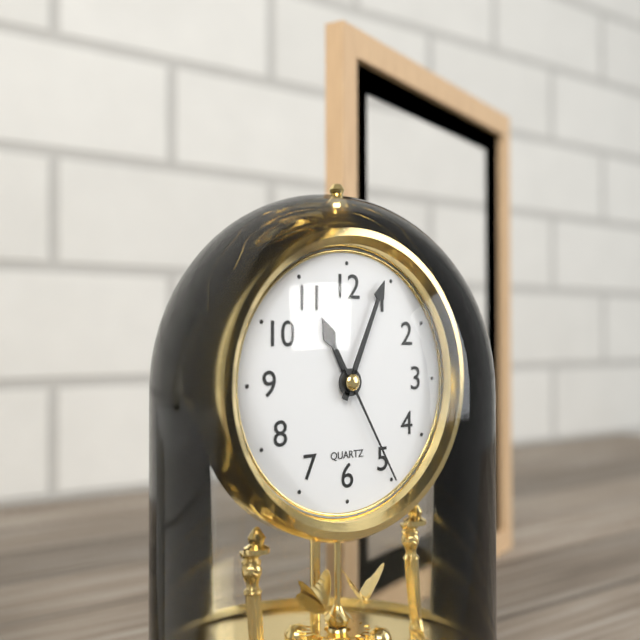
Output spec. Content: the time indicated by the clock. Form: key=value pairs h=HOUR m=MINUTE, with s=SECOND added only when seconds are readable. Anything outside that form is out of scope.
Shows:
h=11 m=4 s=25
